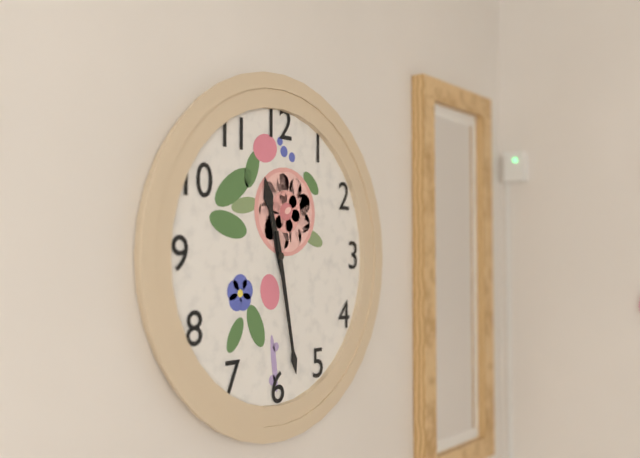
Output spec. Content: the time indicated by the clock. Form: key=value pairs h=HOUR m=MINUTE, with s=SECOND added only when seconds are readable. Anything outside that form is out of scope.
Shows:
h=11 m=28
